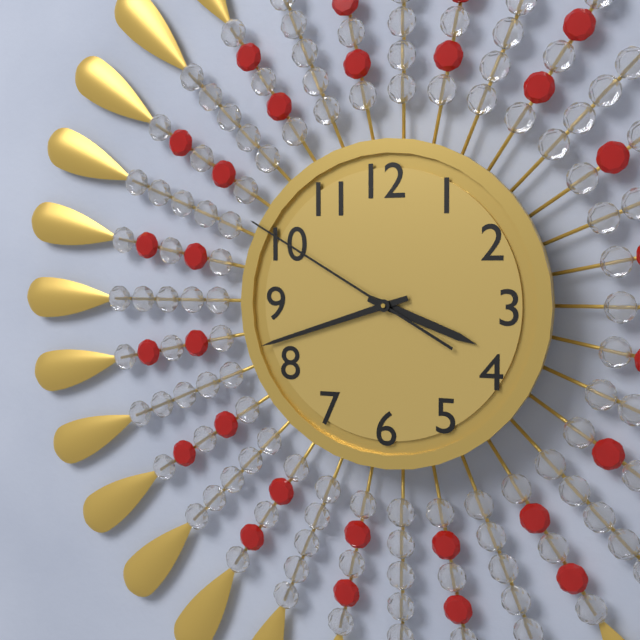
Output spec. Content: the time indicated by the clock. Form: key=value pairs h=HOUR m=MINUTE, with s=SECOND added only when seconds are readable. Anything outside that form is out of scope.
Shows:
h=3 m=42 s=50
